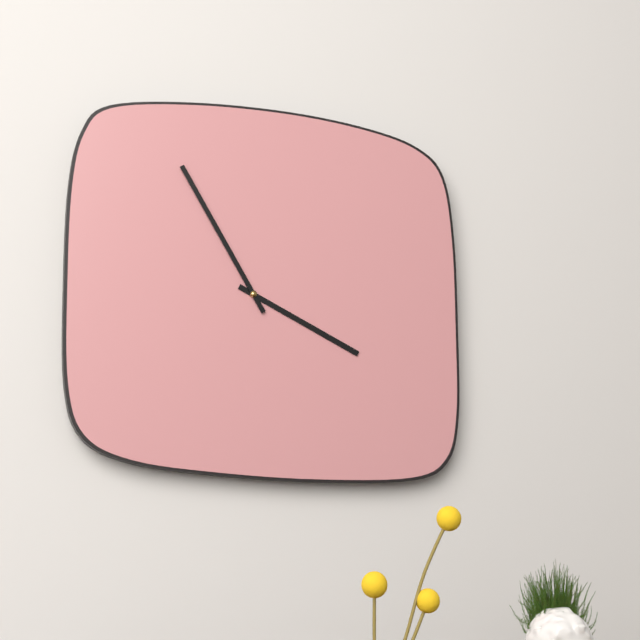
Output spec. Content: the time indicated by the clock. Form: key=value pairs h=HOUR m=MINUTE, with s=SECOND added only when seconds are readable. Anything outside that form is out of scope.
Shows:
h=3 m=55
